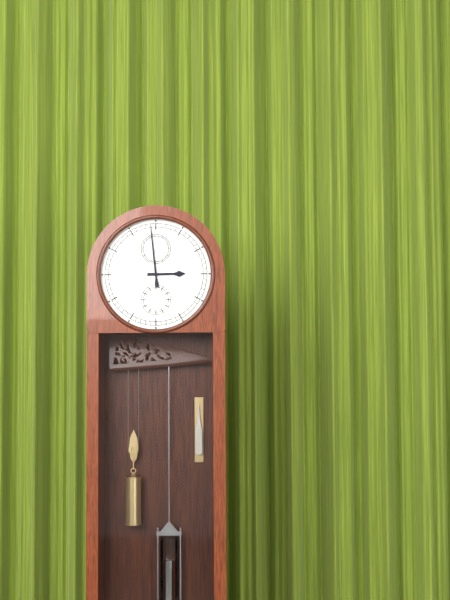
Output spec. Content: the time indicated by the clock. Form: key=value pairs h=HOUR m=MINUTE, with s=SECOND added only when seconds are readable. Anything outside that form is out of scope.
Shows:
h=2 m=59
